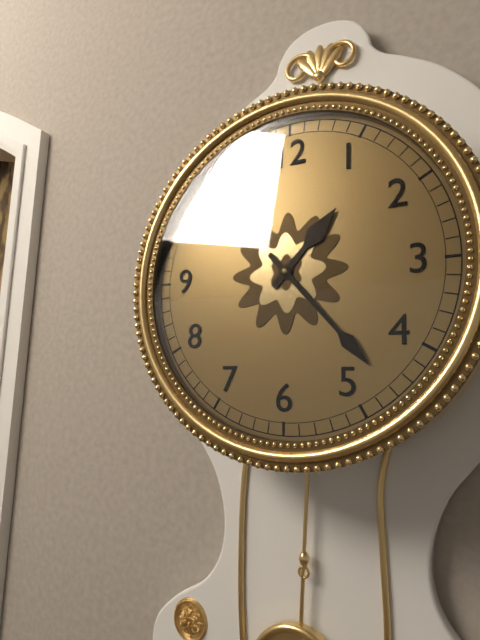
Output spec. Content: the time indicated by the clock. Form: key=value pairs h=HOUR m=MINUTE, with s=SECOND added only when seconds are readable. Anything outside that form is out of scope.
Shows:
h=1 m=23
